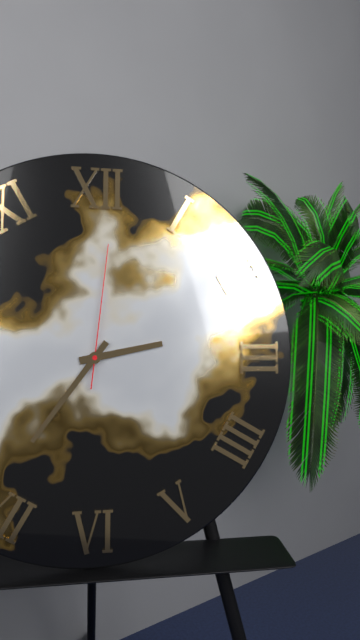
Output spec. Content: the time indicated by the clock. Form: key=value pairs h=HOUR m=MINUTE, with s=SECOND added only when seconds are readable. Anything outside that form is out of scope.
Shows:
h=2 m=36 s=1
